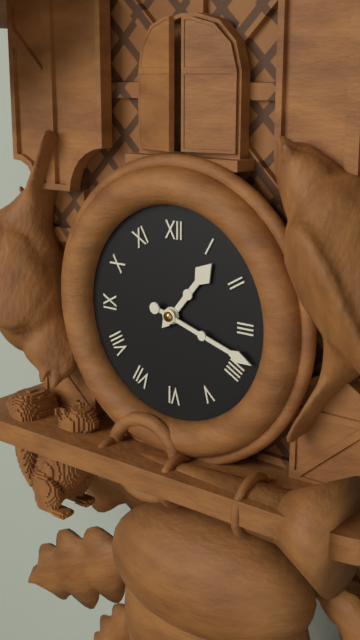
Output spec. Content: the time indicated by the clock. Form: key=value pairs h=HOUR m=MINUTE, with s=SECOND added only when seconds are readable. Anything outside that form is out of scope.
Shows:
h=1 m=18
